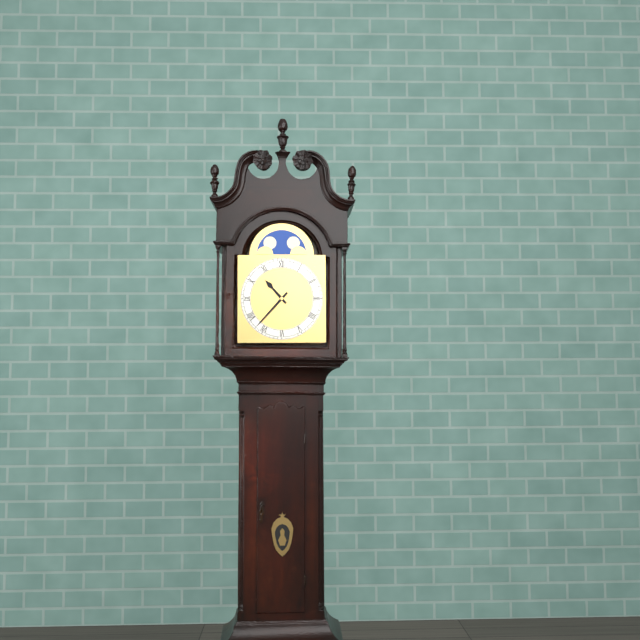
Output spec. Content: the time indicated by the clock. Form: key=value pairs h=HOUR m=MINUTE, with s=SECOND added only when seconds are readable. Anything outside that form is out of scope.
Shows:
h=10 m=37
